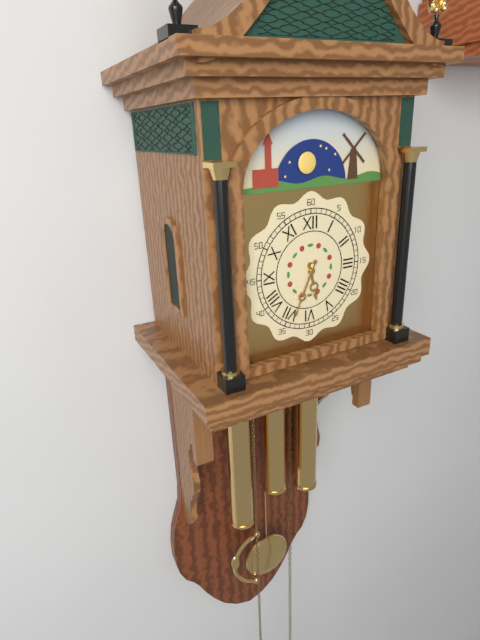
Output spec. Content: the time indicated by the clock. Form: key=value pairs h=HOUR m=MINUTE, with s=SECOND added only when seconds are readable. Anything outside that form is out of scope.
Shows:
h=5 m=34
